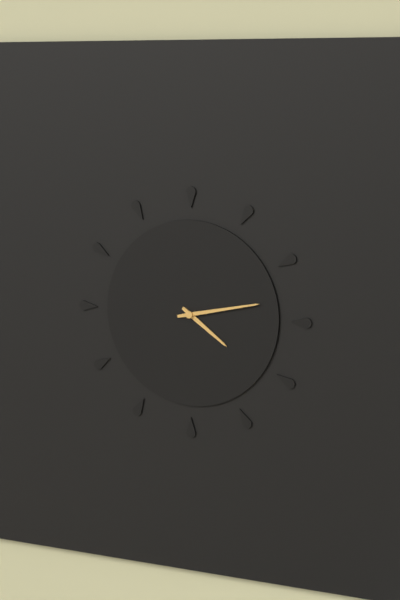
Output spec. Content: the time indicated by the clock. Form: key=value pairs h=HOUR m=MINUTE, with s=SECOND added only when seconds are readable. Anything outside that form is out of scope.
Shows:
h=4 m=13
